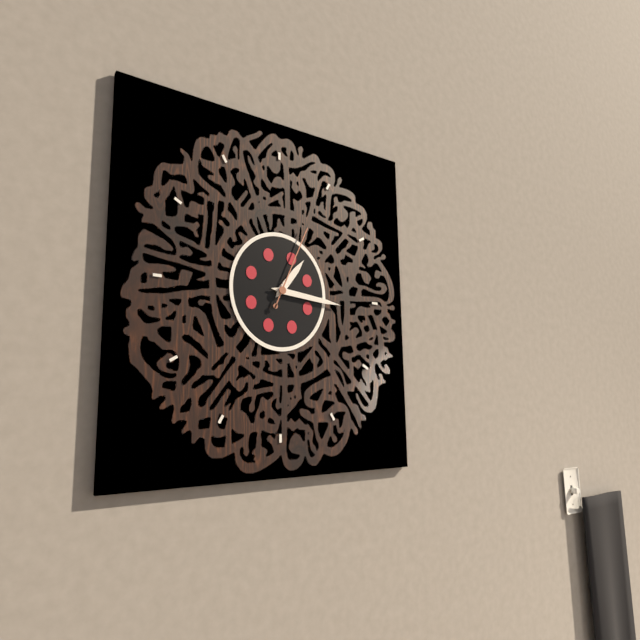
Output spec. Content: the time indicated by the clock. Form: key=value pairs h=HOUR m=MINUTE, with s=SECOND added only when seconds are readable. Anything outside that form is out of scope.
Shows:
h=1 m=16 s=4
